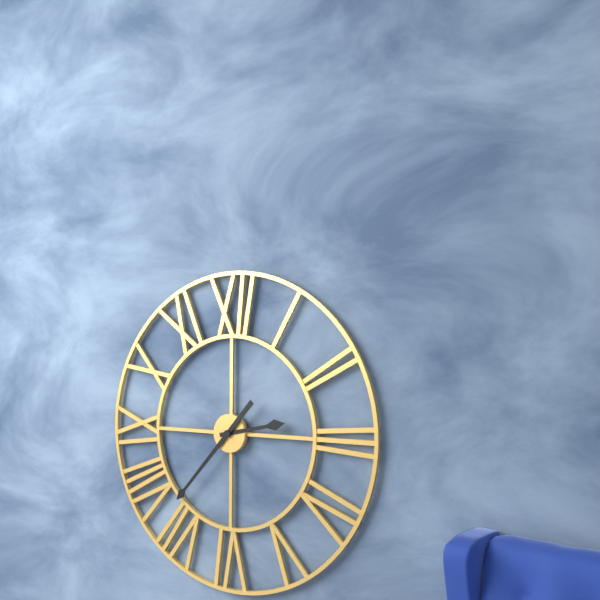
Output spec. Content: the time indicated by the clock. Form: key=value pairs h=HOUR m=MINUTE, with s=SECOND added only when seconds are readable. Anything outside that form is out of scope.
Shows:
h=2 m=37
